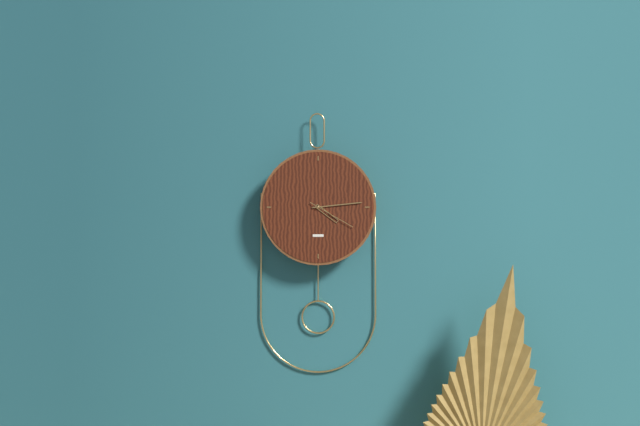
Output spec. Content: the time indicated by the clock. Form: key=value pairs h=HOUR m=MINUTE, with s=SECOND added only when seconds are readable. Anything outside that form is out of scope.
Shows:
h=4 m=14 s=20
